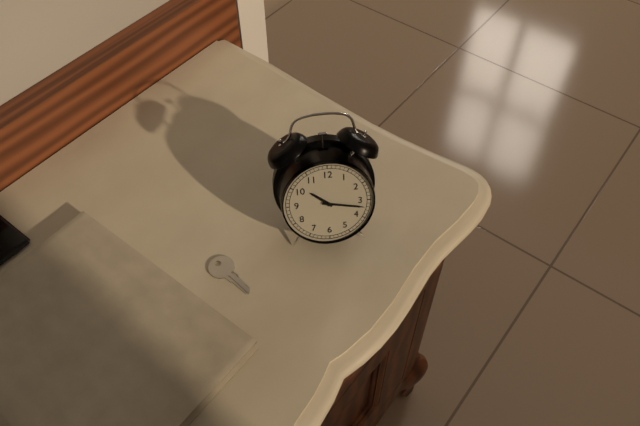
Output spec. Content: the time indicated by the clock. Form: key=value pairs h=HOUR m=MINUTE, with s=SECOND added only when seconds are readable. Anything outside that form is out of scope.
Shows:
h=10 m=17
